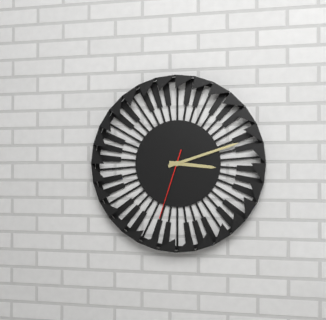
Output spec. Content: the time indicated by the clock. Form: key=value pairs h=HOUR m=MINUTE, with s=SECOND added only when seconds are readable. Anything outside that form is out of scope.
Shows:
h=3 m=12 s=33
